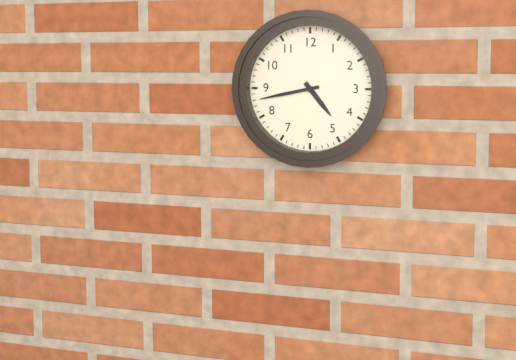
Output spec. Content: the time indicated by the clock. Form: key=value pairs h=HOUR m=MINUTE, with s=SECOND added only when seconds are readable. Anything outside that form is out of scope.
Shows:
h=4 m=43
